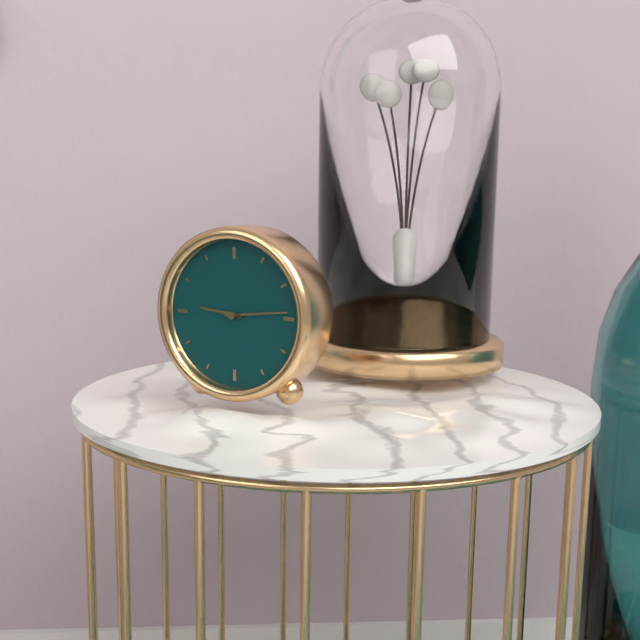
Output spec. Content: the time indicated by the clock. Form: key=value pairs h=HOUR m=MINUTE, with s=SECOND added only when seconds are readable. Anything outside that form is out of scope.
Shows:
h=9 m=14
